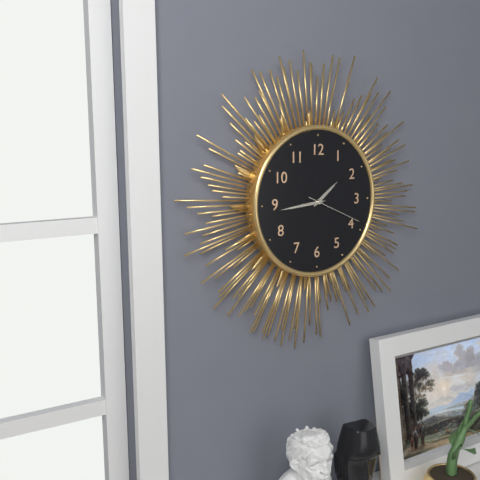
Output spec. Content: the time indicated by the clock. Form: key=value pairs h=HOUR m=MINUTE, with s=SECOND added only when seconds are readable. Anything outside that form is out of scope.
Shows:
h=1 m=44 s=19
